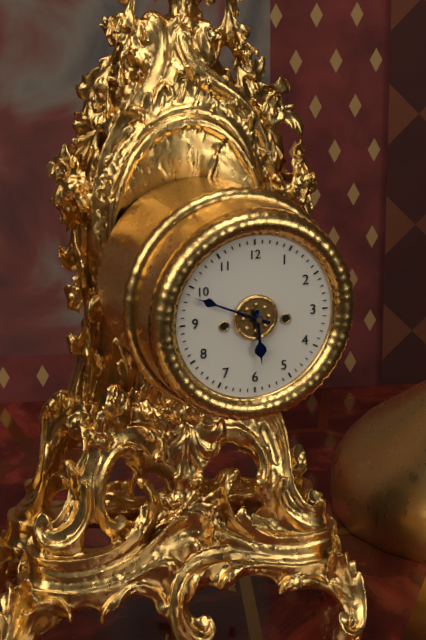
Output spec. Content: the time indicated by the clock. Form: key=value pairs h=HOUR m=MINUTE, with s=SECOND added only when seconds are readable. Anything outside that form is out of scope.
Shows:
h=5 m=49
